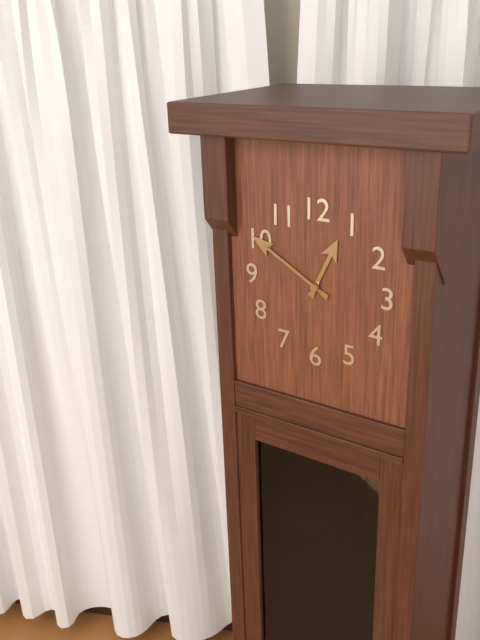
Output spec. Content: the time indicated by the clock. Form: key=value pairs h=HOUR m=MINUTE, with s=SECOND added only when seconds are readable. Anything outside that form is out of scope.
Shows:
h=12 m=50
